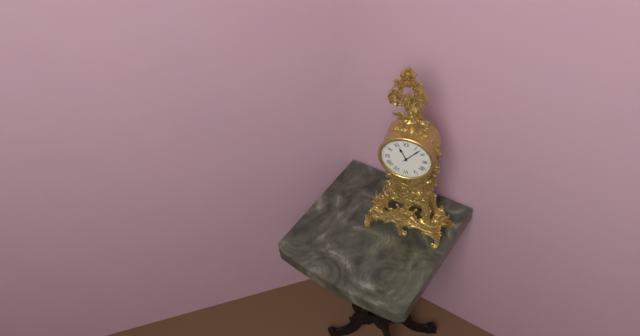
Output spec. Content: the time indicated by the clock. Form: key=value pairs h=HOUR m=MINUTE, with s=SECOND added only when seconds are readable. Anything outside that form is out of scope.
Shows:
h=11 m=7
